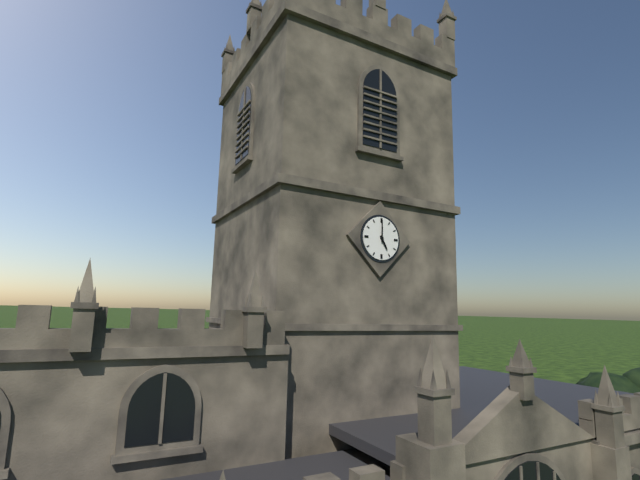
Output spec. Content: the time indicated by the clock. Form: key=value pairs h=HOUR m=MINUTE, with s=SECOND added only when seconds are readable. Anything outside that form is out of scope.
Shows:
h=5 m=0
